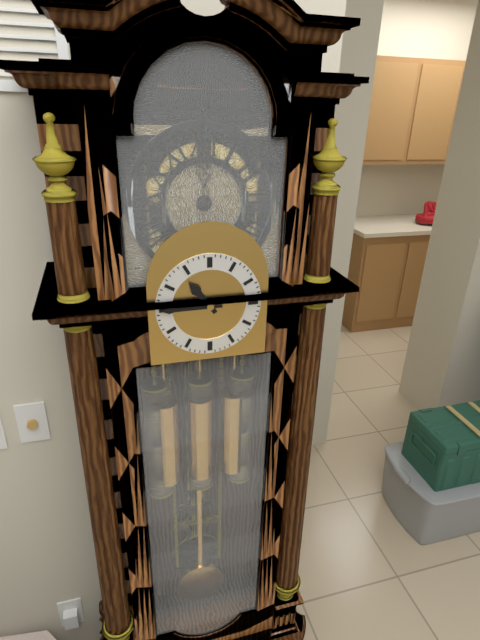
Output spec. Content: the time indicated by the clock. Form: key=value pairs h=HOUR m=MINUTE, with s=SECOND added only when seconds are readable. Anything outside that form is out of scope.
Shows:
h=10 m=45
